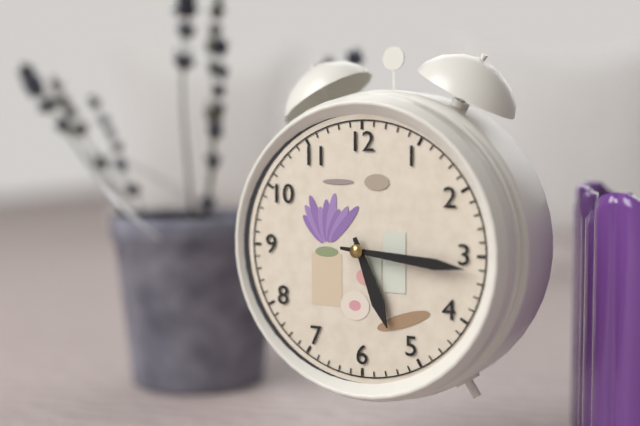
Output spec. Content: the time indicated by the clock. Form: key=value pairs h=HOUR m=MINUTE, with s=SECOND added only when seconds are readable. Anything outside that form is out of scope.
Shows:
h=5 m=16
